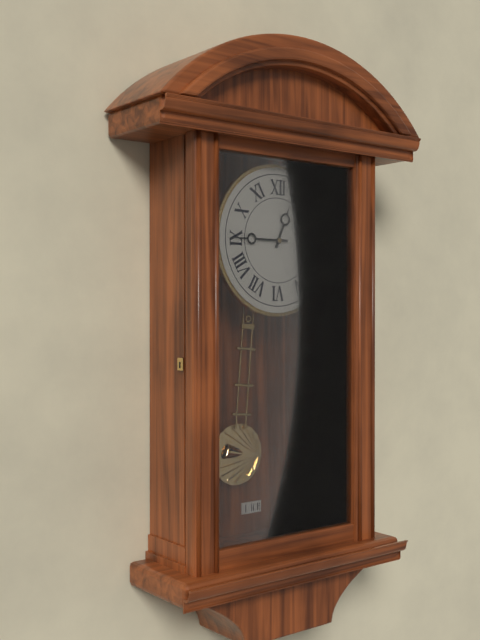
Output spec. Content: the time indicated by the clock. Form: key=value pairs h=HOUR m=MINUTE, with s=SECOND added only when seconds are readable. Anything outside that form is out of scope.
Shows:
h=12 m=45
